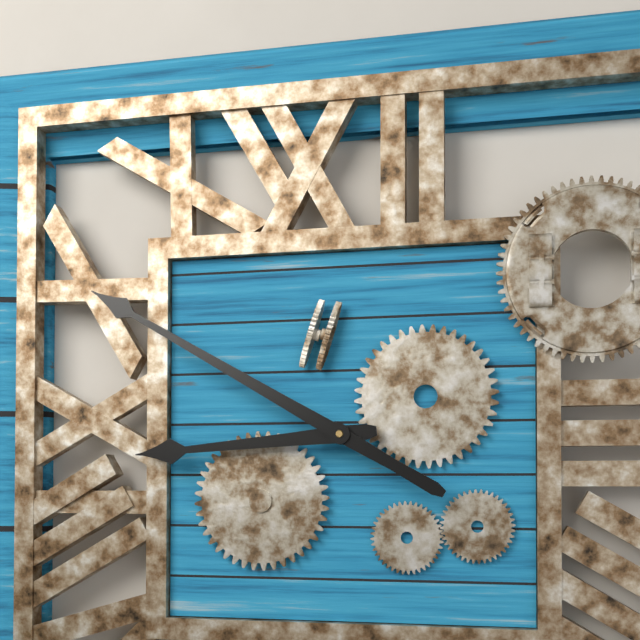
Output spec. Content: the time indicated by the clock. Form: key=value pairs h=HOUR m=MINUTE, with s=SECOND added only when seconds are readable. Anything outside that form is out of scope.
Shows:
h=8 m=50
